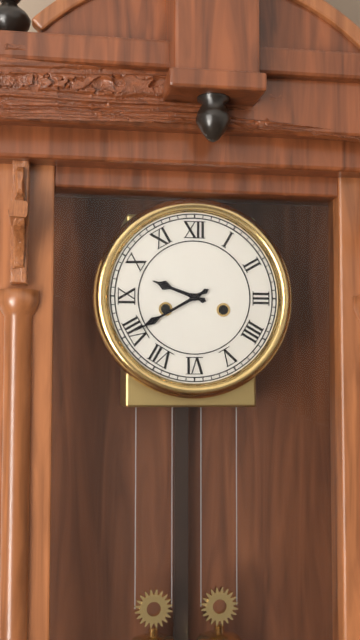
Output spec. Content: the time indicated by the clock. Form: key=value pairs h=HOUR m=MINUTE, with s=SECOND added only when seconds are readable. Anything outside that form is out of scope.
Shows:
h=9 m=40
